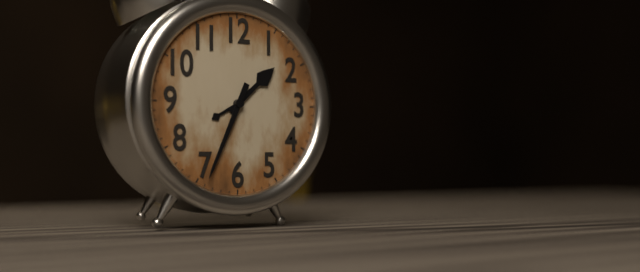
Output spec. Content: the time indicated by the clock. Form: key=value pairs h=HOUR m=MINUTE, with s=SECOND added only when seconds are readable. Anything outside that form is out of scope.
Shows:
h=1 m=34
